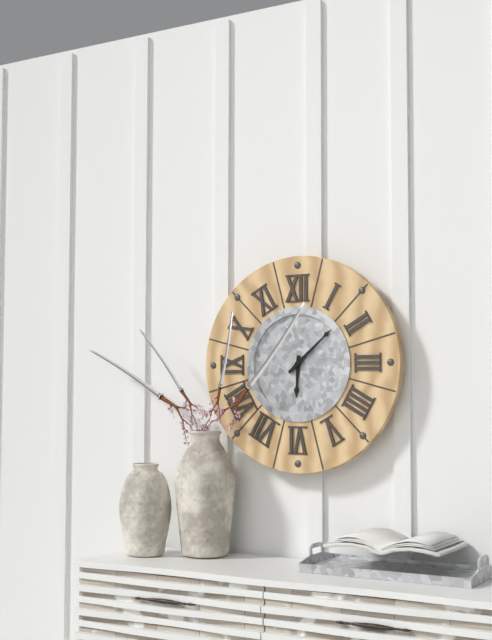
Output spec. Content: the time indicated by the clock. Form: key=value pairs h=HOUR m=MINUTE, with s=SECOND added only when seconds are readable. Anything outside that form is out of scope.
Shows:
h=6 m=8
